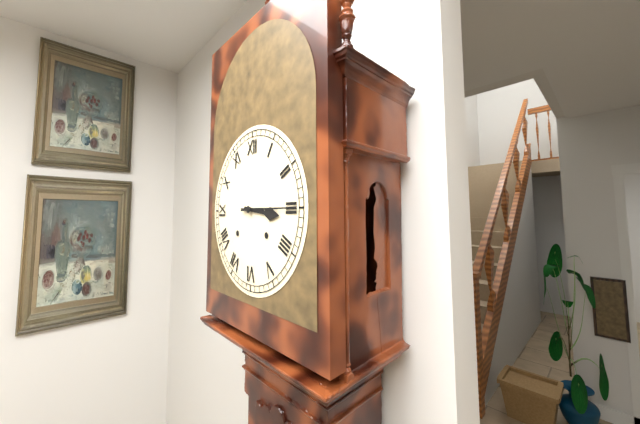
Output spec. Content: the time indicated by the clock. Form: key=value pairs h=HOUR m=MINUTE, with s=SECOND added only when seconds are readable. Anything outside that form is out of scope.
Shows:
h=3 m=15
